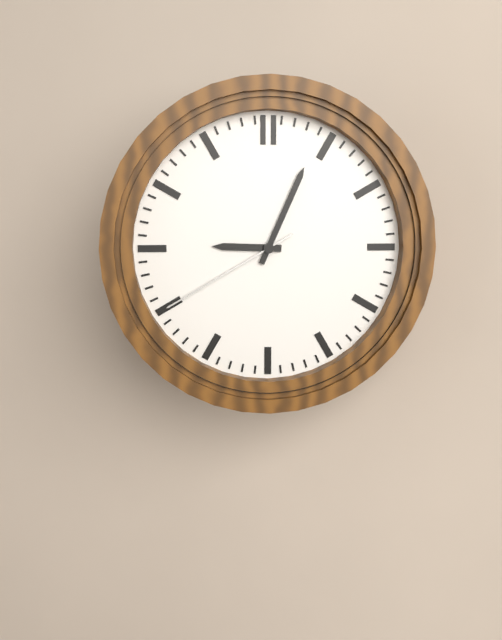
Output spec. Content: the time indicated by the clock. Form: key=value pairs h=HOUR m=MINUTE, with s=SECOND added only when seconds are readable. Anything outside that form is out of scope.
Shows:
h=9 m=4 s=40
